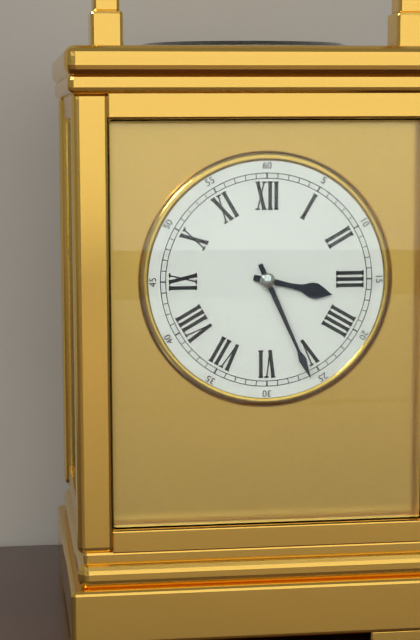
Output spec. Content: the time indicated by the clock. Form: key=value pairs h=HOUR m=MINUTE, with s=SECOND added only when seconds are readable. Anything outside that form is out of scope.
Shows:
h=3 m=26
